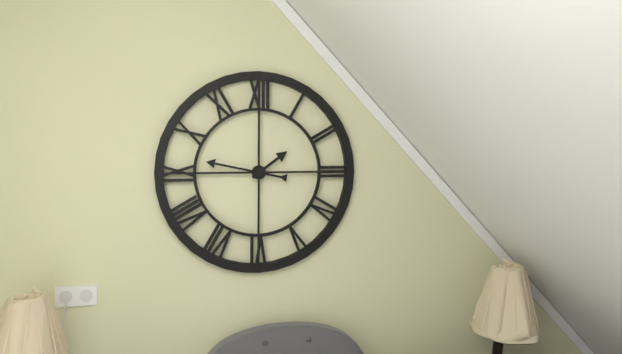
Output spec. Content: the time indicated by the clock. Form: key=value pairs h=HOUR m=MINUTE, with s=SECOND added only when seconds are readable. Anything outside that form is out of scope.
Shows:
h=1 m=47
